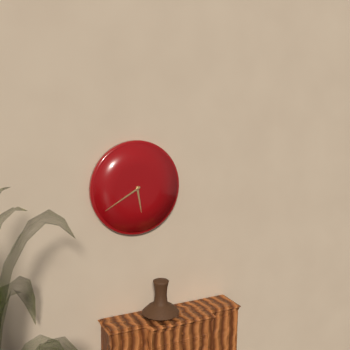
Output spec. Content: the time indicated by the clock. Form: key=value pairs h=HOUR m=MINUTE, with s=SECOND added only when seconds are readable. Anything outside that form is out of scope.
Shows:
h=5 m=40
